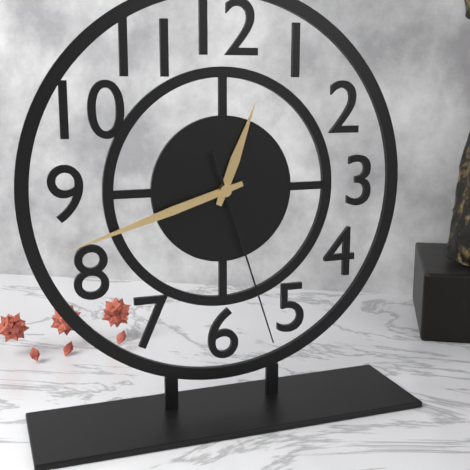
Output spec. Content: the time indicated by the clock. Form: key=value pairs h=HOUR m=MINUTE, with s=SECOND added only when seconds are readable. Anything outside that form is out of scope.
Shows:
h=12 m=42 s=27
